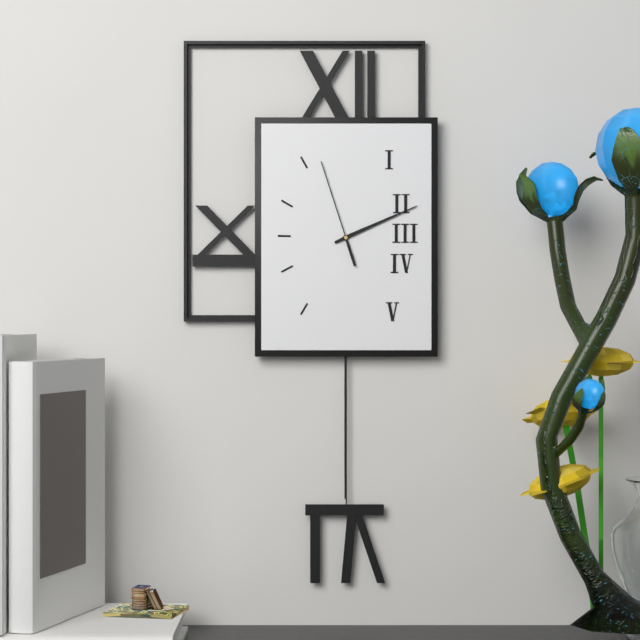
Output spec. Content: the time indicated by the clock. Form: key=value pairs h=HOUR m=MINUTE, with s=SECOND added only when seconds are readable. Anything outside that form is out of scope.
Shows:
h=2 m=11 s=57
